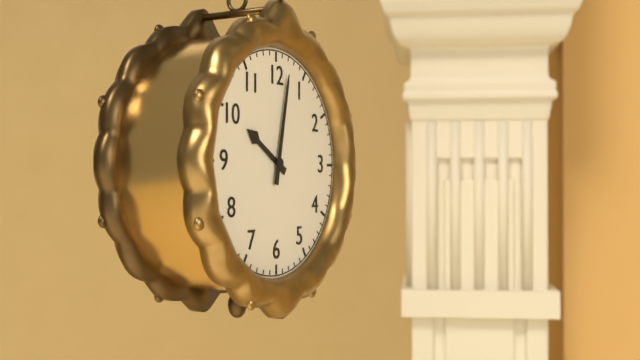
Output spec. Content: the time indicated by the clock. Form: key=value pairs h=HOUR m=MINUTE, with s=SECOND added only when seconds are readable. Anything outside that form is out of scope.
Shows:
h=10 m=2
